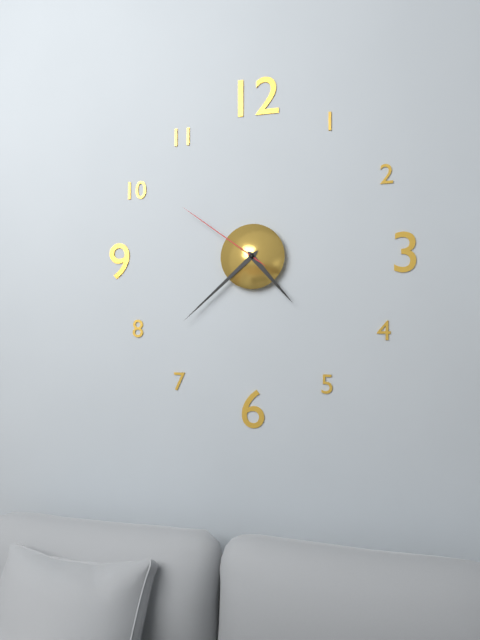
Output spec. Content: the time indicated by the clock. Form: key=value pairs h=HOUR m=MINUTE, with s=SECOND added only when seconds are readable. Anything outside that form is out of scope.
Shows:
h=4 m=38 s=51
